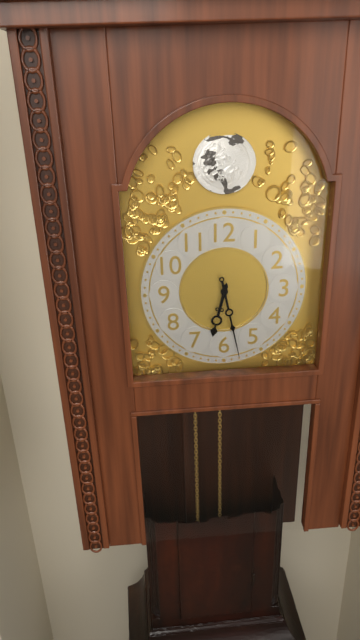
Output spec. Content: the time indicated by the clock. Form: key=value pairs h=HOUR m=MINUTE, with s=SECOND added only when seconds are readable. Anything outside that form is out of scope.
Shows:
h=6 m=28
